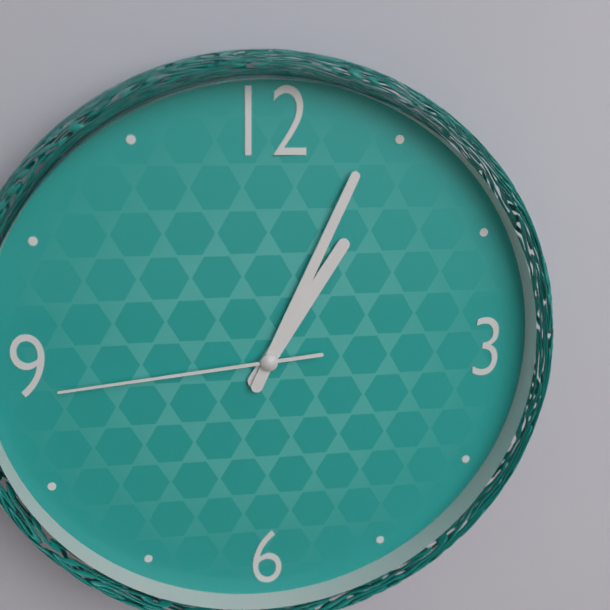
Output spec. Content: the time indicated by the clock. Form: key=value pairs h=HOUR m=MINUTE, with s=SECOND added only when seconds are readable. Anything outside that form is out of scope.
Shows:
h=1 m=4 s=44
